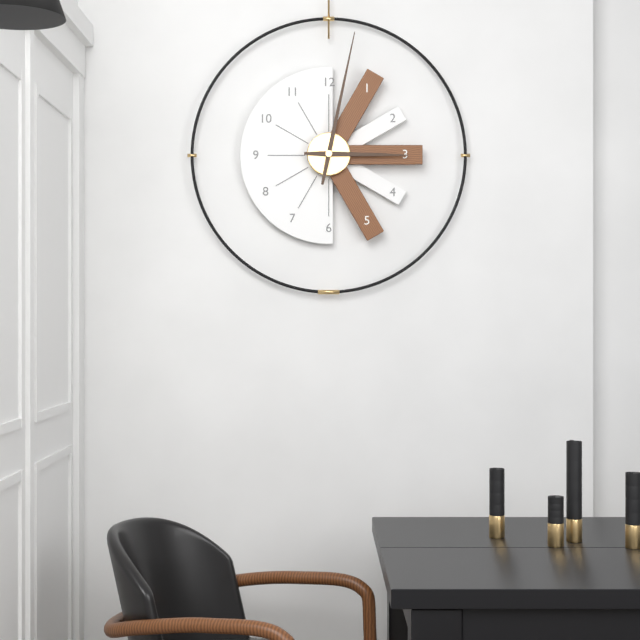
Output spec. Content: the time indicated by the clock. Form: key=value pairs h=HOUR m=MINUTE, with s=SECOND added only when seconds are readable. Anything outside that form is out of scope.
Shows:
h=3 m=2
